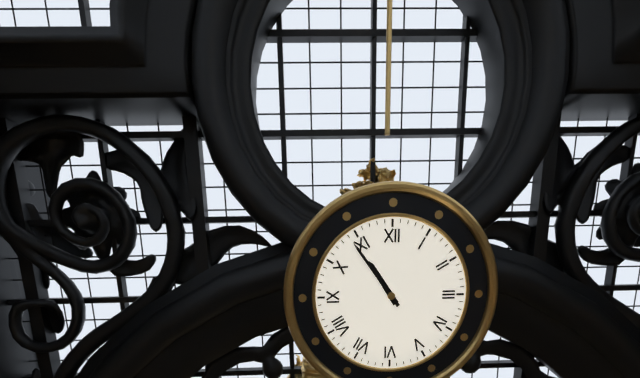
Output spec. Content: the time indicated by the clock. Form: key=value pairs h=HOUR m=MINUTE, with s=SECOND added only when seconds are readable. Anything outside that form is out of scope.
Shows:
h=10 m=54
